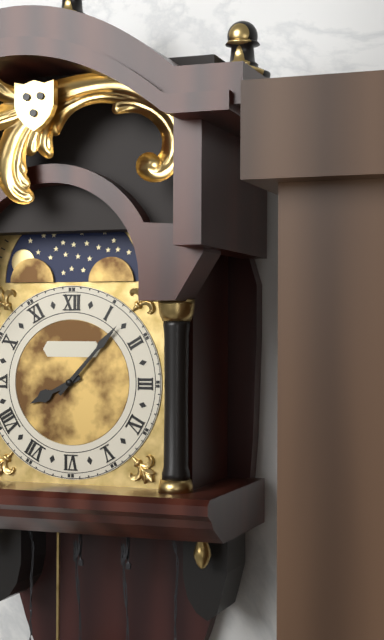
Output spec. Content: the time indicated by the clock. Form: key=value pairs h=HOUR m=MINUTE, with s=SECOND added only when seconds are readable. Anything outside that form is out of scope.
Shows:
h=8 m=7
